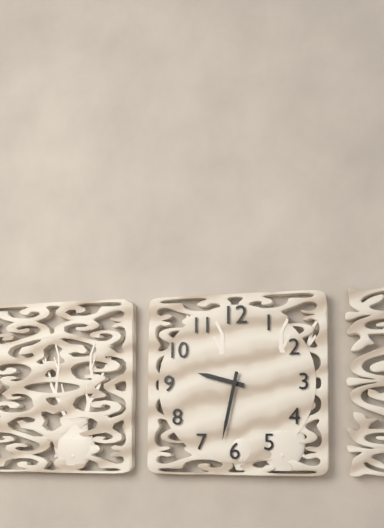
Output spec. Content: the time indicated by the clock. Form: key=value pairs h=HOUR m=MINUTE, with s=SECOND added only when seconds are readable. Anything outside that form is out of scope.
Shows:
h=9 m=32
